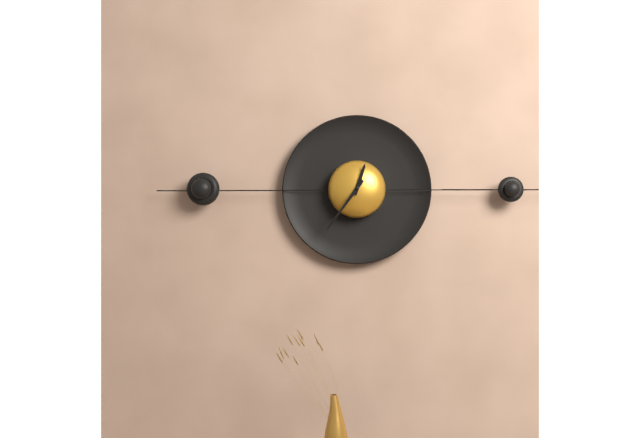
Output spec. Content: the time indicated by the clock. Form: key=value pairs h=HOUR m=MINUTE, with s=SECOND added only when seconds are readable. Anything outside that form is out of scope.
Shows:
h=12 m=36
